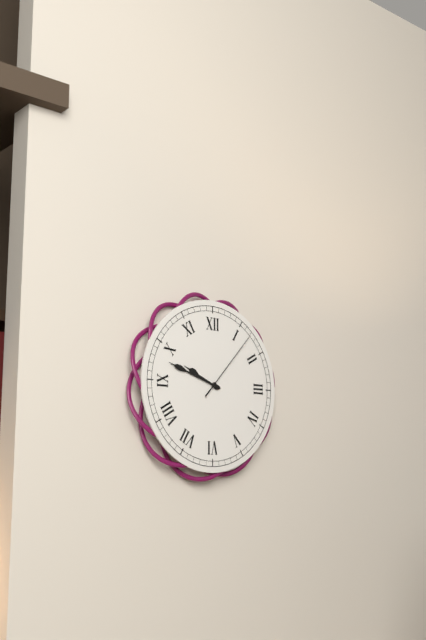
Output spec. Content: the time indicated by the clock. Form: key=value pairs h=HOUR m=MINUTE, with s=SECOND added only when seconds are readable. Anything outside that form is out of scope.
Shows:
h=9 m=48 s=7
